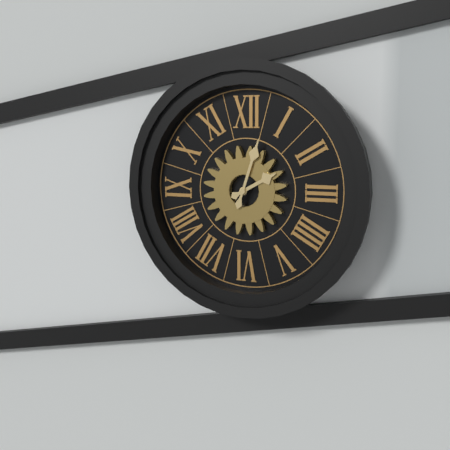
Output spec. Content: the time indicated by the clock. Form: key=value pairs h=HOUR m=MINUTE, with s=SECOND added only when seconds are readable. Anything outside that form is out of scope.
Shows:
h=2 m=3
